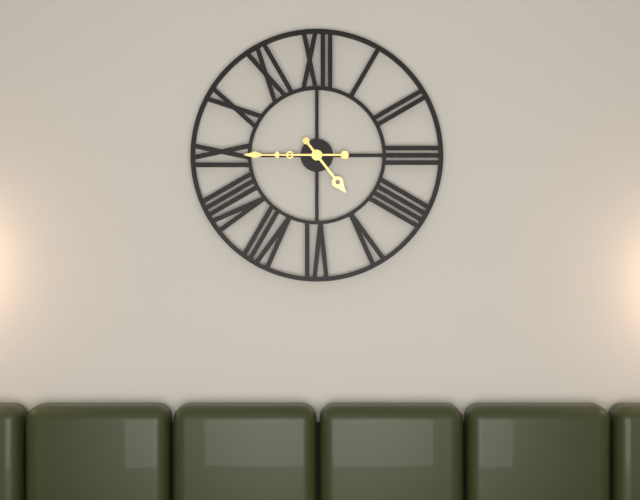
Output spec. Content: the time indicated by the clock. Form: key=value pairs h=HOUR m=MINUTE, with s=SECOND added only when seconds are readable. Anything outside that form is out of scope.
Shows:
h=4 m=45
